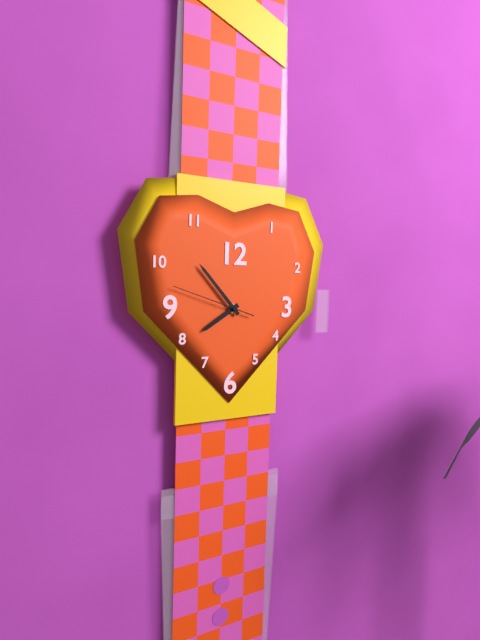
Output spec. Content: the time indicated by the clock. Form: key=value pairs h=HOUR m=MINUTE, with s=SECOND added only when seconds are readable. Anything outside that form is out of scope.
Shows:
h=7 m=53 s=48
